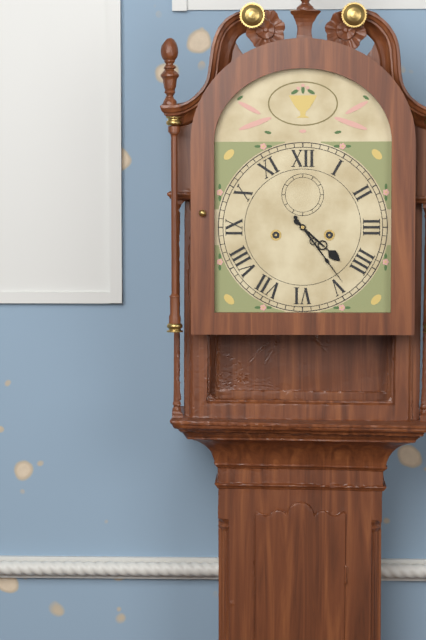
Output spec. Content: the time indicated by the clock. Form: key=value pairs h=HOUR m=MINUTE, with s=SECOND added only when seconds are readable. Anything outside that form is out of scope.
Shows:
h=4 m=24
